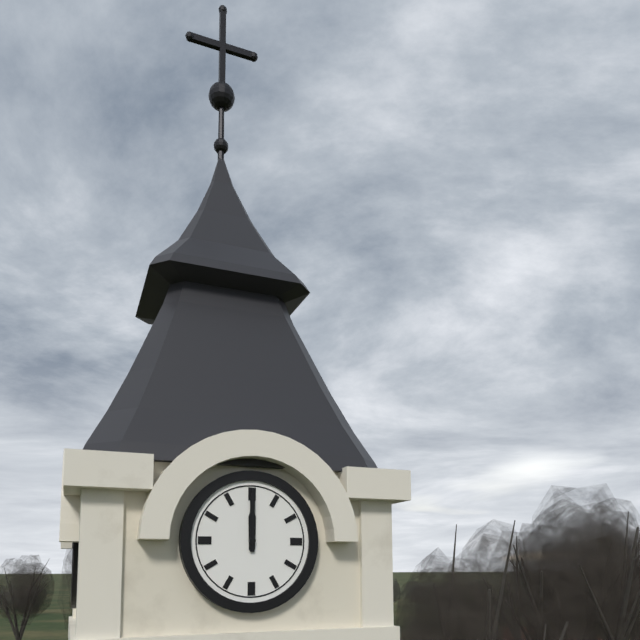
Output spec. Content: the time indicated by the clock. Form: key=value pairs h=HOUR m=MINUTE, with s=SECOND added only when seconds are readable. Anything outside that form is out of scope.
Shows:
h=12 m=0
